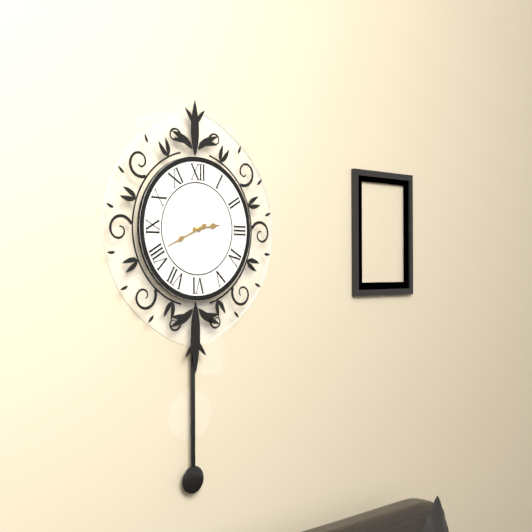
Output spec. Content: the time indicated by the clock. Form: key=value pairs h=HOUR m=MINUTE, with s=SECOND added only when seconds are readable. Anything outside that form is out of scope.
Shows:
h=2 m=41
